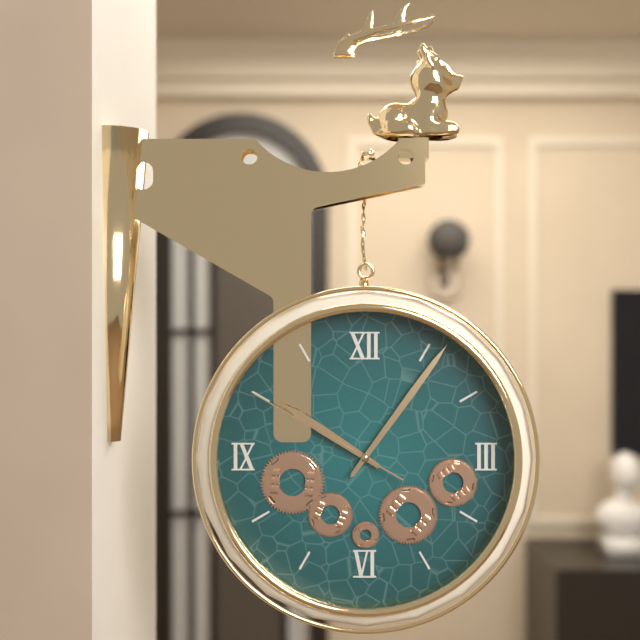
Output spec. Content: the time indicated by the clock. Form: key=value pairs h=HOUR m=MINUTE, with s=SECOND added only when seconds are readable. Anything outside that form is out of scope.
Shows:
h=10 m=6 s=50
